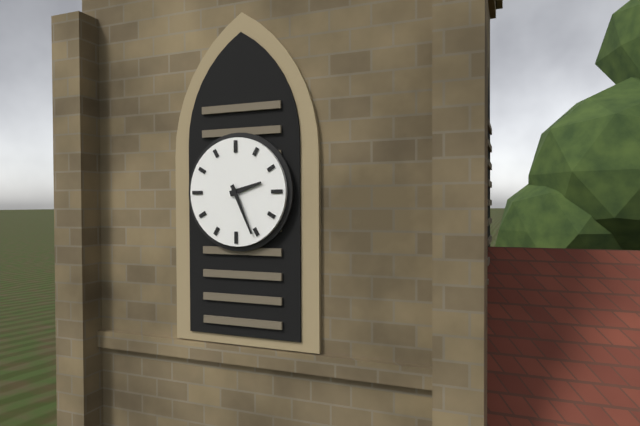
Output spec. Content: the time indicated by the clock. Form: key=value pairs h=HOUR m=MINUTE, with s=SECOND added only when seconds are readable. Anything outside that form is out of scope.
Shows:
h=2 m=26
